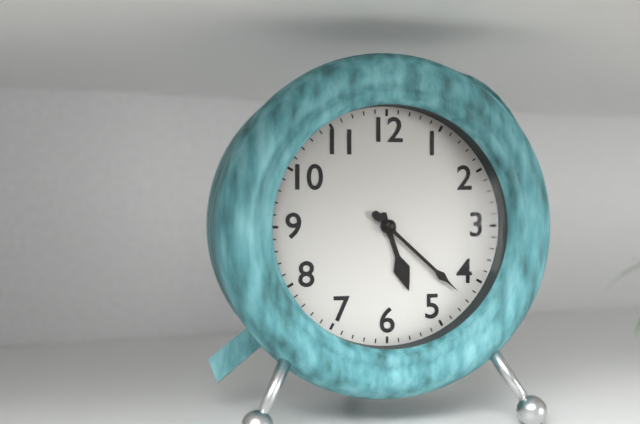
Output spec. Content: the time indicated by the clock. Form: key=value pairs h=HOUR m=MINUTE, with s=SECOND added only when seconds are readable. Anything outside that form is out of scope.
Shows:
h=5 m=22
